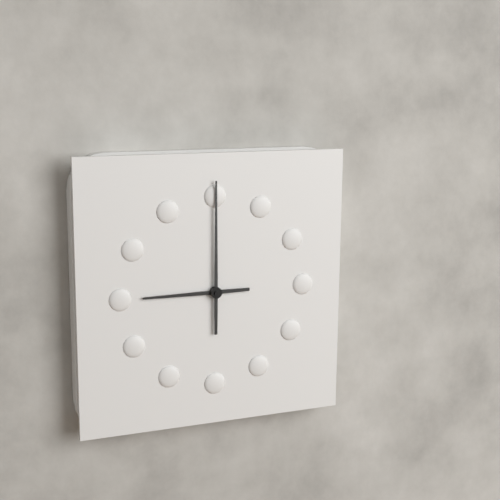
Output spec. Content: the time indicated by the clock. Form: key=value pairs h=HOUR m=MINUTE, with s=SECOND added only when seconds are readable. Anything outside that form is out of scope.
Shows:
h=9 m=0
